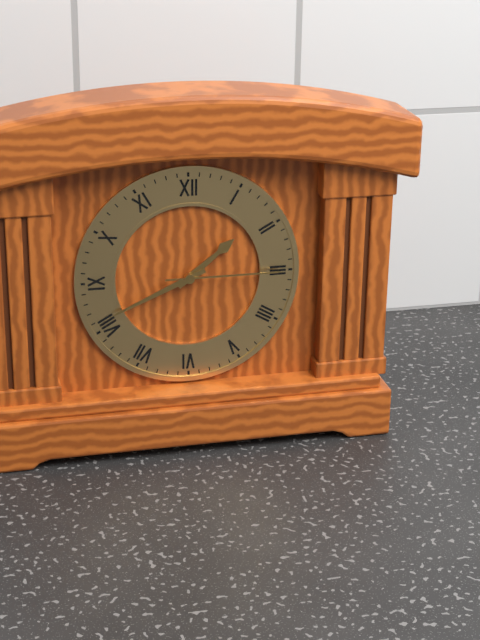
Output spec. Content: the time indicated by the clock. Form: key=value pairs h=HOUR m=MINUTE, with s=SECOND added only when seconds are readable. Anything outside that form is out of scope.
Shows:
h=1 m=41 s=15
